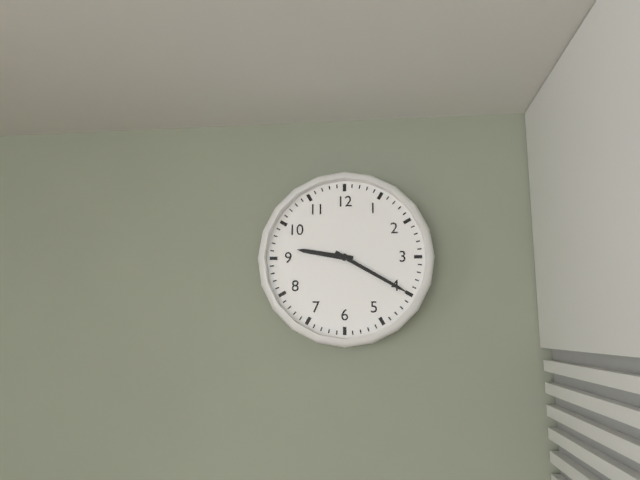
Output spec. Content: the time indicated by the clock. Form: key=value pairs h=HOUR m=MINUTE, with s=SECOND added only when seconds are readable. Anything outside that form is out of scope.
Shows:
h=9 m=20
